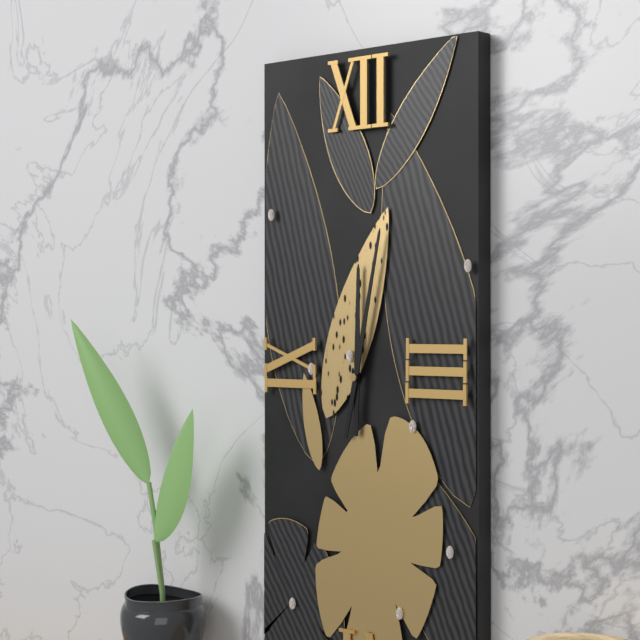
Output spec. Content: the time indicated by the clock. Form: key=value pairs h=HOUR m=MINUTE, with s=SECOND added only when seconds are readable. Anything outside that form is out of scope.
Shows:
h=12 m=2
